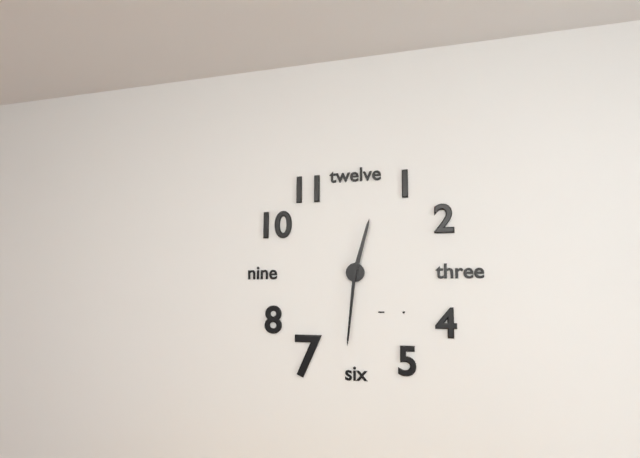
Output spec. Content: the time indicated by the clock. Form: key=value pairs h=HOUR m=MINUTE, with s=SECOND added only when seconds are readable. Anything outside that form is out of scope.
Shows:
h=12 m=31
